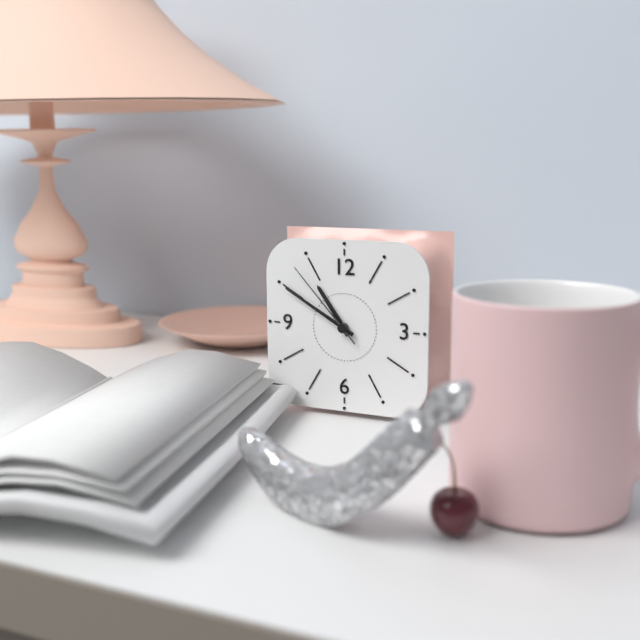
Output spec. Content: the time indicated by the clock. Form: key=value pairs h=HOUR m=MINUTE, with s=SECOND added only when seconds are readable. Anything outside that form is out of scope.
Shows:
h=10 m=50 s=53
